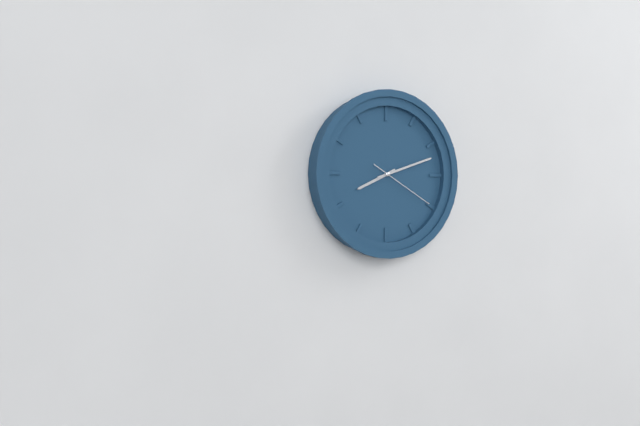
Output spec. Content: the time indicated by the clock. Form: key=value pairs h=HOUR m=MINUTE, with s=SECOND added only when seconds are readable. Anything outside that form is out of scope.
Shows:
h=8 m=12 s=20
